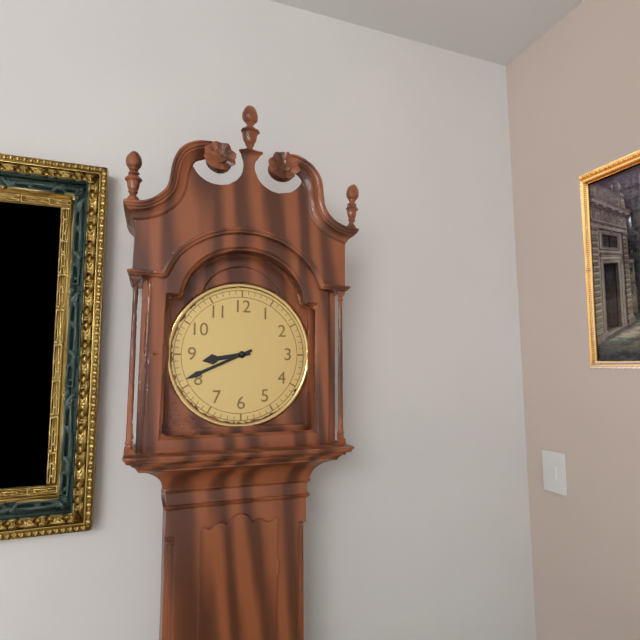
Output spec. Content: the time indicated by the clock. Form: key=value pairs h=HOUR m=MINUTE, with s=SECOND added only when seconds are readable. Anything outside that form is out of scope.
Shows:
h=8 m=41
